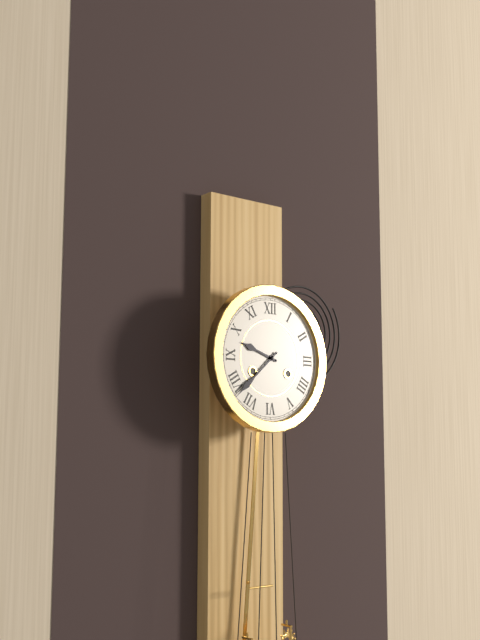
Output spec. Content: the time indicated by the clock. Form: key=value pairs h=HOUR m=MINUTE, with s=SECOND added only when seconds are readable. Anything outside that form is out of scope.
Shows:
h=9 m=38
